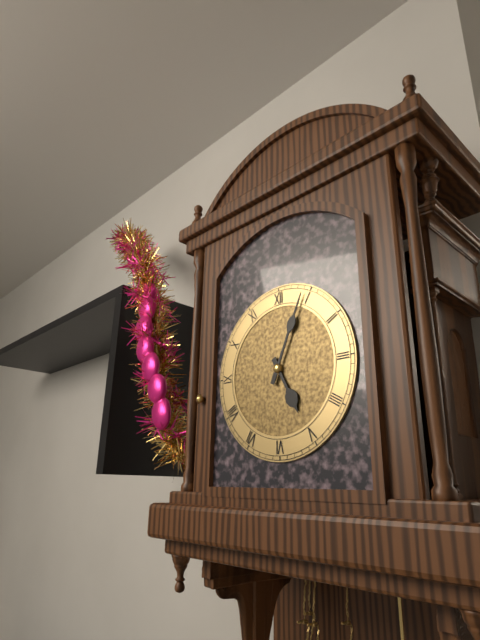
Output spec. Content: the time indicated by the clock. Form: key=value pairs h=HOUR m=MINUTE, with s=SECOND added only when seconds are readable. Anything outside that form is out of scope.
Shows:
h=5 m=4
